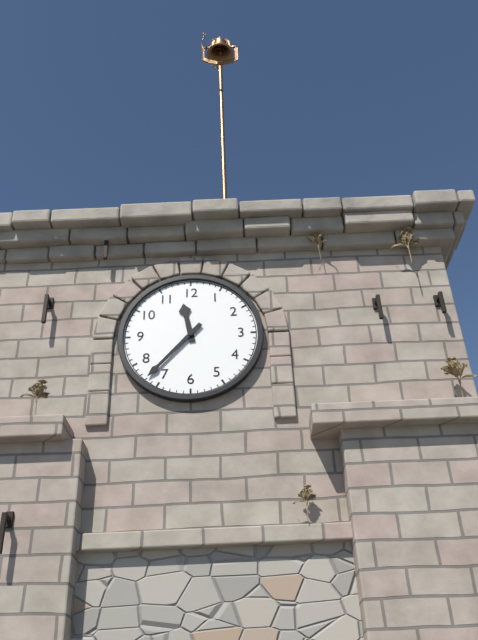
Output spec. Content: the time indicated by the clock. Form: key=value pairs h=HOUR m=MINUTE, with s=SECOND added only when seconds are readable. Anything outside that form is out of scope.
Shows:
h=11 m=37
